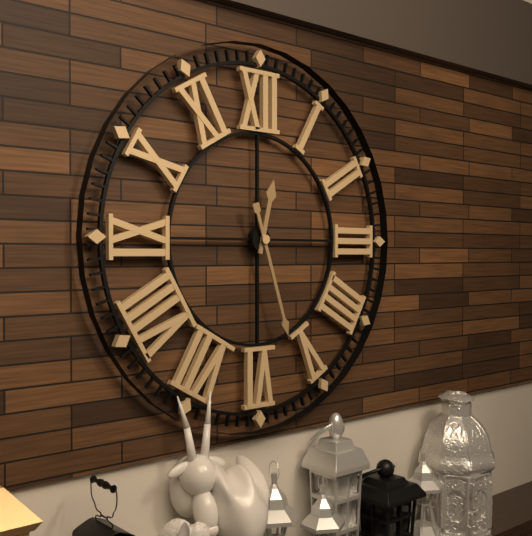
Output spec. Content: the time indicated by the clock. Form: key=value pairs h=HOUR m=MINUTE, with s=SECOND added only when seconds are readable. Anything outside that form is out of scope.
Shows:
h=12 m=27
